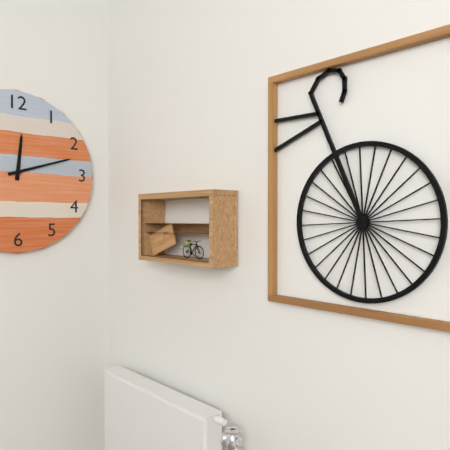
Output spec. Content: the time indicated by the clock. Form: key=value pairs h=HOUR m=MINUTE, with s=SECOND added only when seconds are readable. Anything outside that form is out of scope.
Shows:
h=12 m=12
